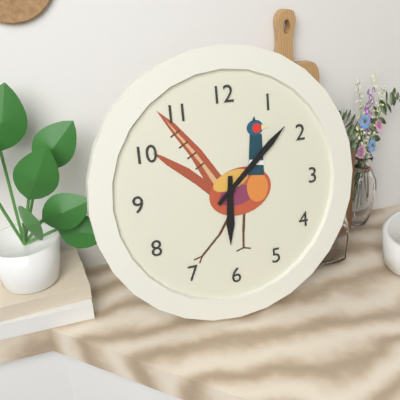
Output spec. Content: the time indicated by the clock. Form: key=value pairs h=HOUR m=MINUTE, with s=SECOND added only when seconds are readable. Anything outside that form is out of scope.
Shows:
h=6 m=8
